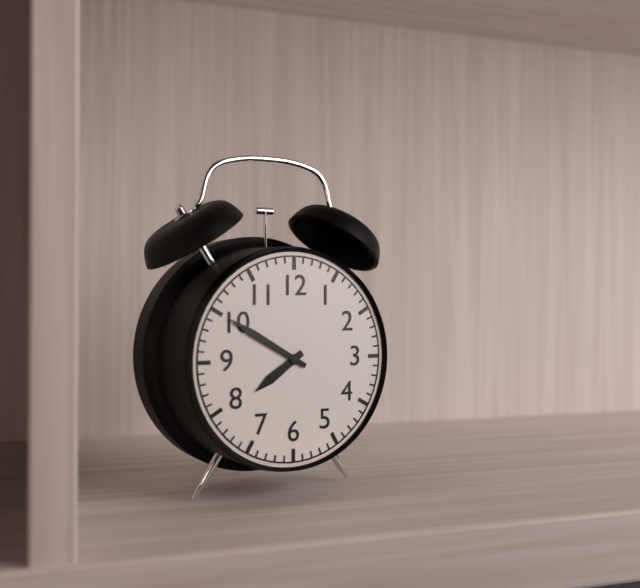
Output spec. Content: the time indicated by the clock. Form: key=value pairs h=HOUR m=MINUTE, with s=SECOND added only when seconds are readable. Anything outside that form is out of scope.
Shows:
h=7 m=50
